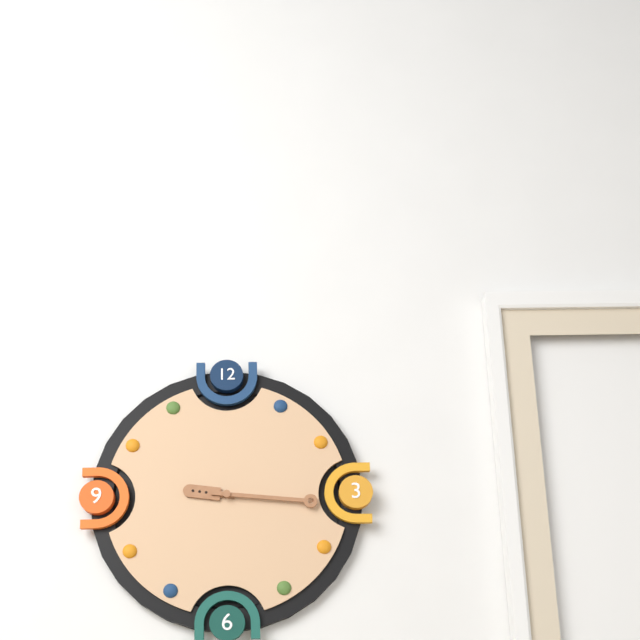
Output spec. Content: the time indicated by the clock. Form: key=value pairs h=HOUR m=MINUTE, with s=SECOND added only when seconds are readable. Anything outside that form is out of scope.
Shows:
h=9 m=16
